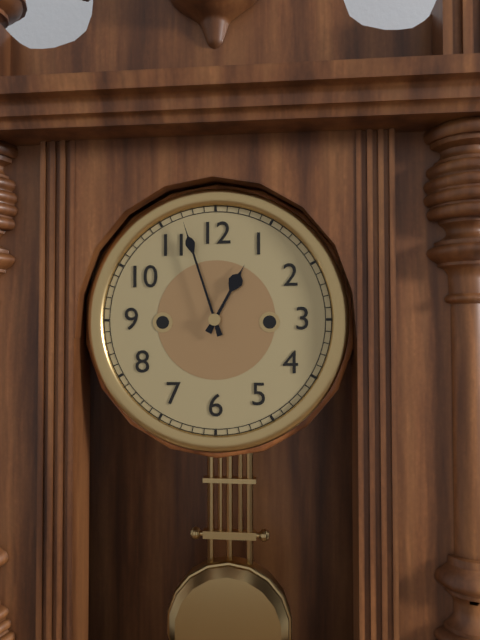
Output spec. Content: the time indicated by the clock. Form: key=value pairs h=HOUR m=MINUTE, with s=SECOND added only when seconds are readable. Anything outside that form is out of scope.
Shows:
h=12 m=57
